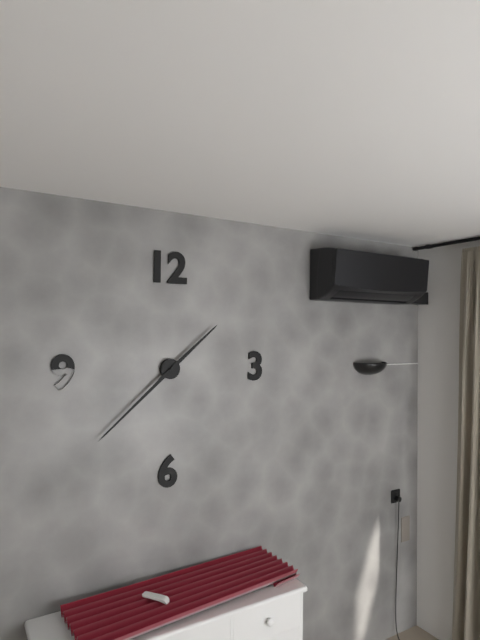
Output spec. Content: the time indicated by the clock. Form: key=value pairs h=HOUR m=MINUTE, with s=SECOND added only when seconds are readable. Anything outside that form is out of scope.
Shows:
h=1 m=38
